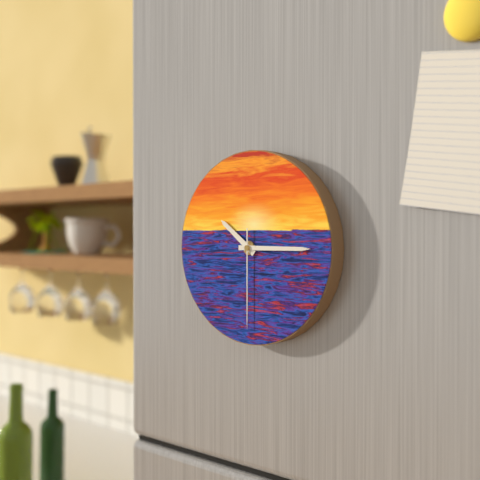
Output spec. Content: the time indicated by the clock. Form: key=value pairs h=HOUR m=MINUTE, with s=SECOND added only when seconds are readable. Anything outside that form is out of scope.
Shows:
h=10 m=15 s=30
